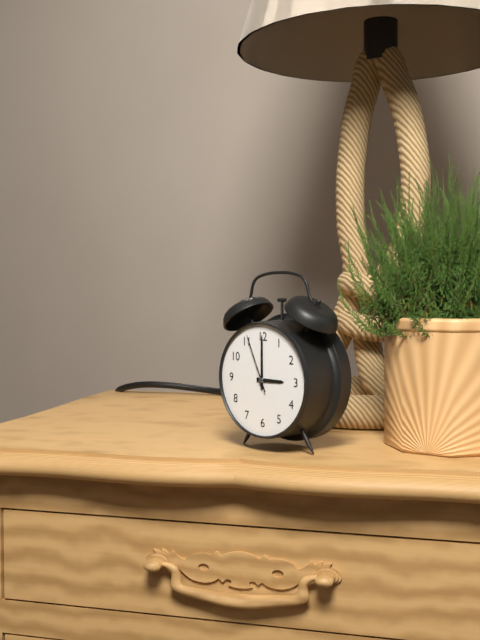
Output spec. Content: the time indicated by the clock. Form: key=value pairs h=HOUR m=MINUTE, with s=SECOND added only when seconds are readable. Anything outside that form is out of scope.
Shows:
h=3 m=0 s=56
